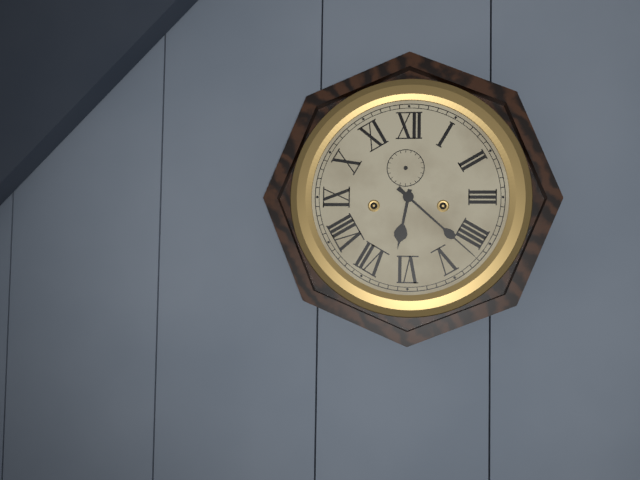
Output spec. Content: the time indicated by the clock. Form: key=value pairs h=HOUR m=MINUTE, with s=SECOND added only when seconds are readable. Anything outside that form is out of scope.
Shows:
h=6 m=22
